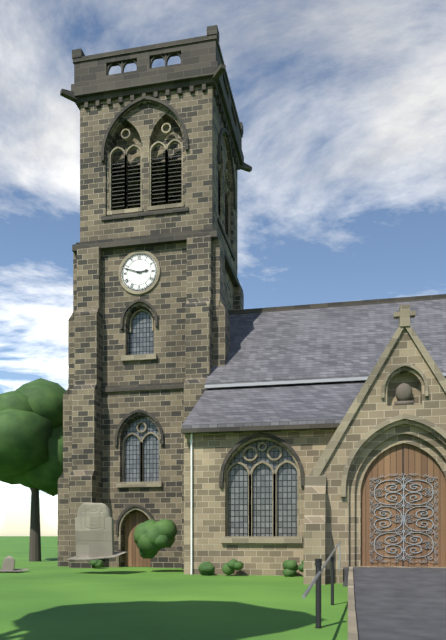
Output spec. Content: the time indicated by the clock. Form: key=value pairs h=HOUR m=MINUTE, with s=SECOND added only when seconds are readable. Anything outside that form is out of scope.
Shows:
h=2 m=48
